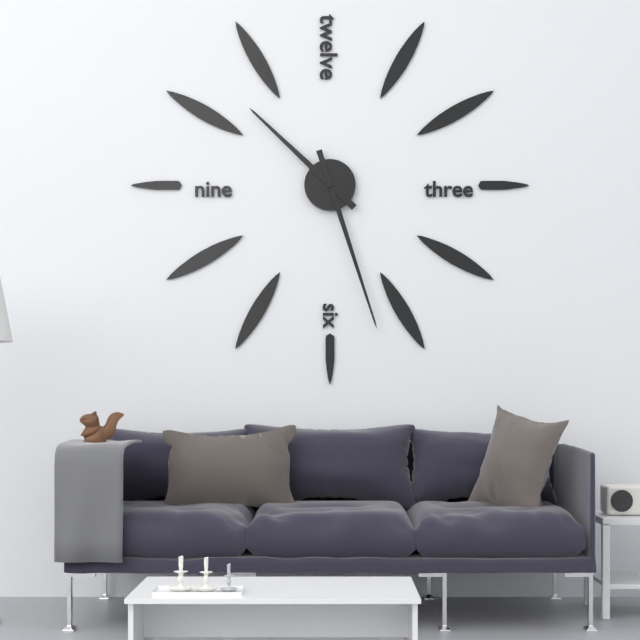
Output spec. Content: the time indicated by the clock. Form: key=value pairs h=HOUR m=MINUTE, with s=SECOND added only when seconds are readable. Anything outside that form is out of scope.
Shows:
h=10 m=27
